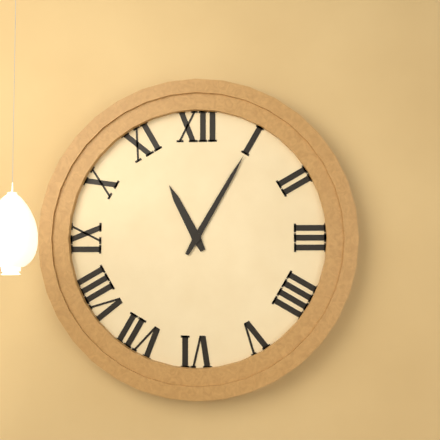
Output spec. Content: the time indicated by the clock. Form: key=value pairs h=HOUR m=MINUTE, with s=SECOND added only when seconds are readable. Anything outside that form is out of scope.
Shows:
h=11 m=5
